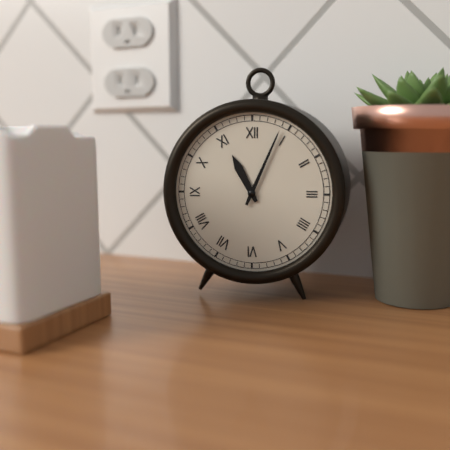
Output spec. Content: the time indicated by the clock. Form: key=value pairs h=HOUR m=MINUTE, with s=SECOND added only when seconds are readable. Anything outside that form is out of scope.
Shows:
h=11 m=4
